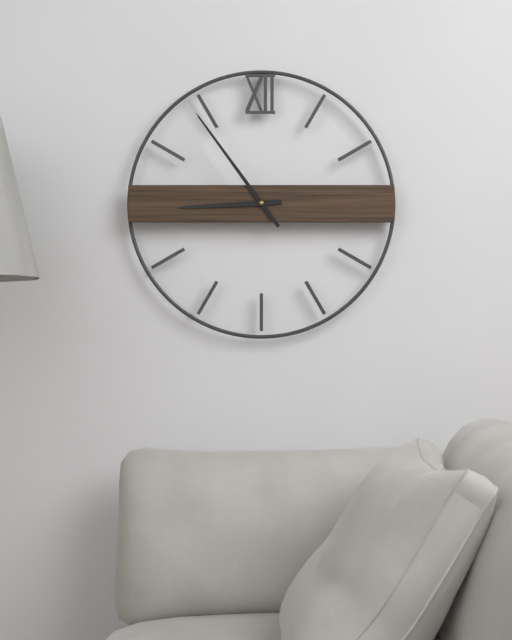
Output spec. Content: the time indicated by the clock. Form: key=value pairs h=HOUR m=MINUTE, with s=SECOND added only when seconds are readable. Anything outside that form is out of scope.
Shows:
h=8 m=54
